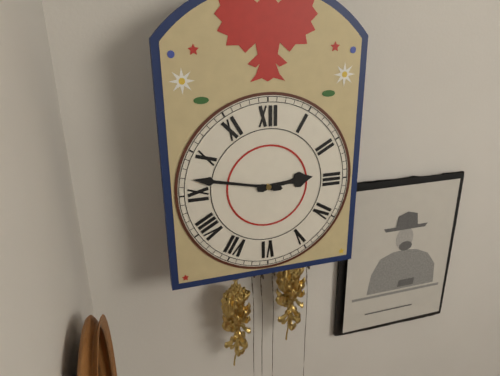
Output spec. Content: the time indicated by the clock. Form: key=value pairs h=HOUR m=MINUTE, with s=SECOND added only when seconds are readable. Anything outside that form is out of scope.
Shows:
h=2 m=47
